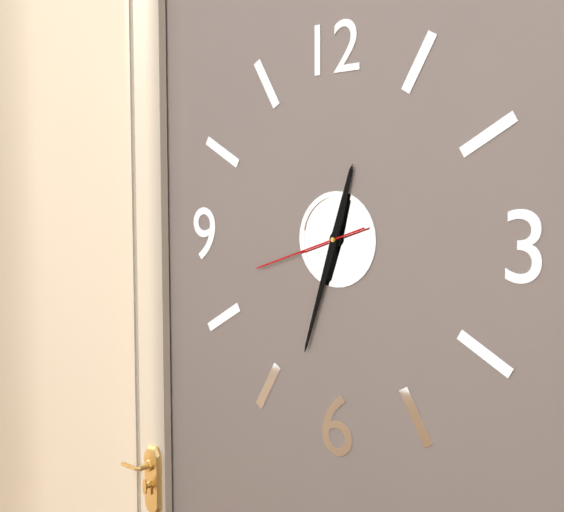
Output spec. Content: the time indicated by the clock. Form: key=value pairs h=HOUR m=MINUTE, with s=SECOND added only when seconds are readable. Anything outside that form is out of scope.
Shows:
h=12 m=33 s=42
